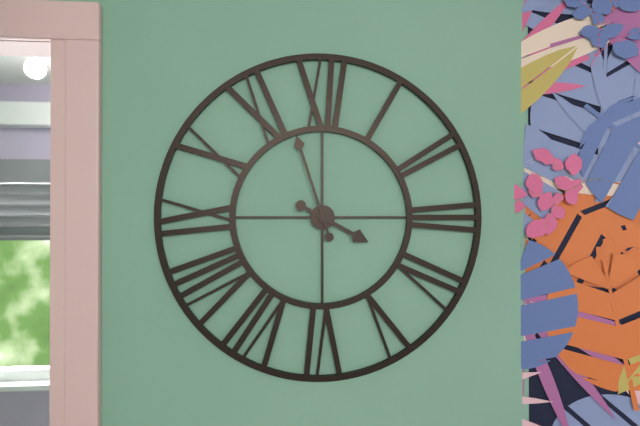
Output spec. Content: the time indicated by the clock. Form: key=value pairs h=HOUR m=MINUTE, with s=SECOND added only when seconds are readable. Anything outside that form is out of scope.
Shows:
h=3 m=57
